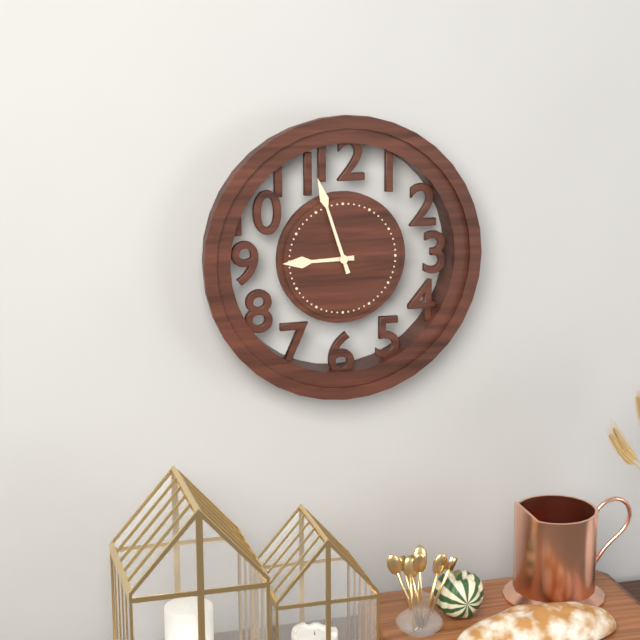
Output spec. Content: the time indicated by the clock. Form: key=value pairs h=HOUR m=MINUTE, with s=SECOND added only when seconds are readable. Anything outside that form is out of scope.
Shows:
h=8 m=57
